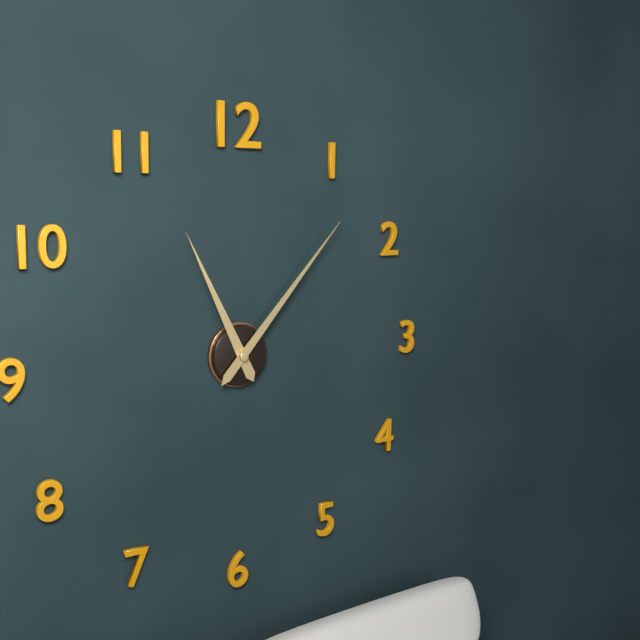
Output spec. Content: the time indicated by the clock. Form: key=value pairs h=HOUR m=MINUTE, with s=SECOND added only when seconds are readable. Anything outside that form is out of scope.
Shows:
h=11 m=7
